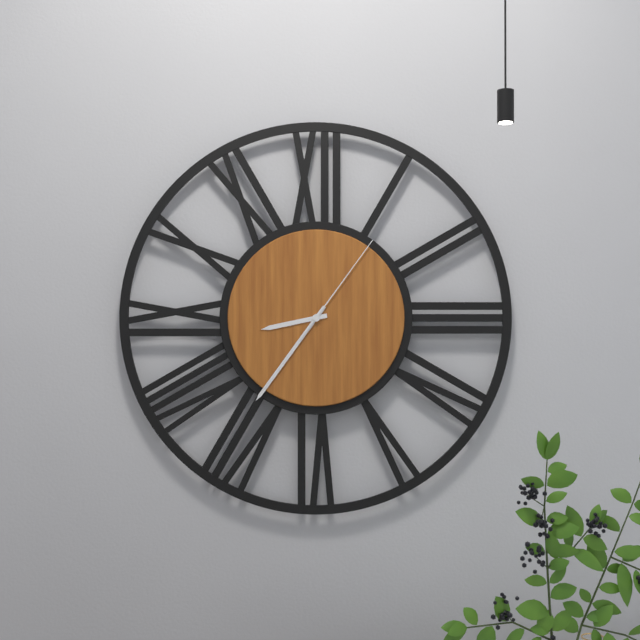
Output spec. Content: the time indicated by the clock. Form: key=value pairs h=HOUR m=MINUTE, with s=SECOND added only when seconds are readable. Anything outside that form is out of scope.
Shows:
h=8 m=36 s=6
